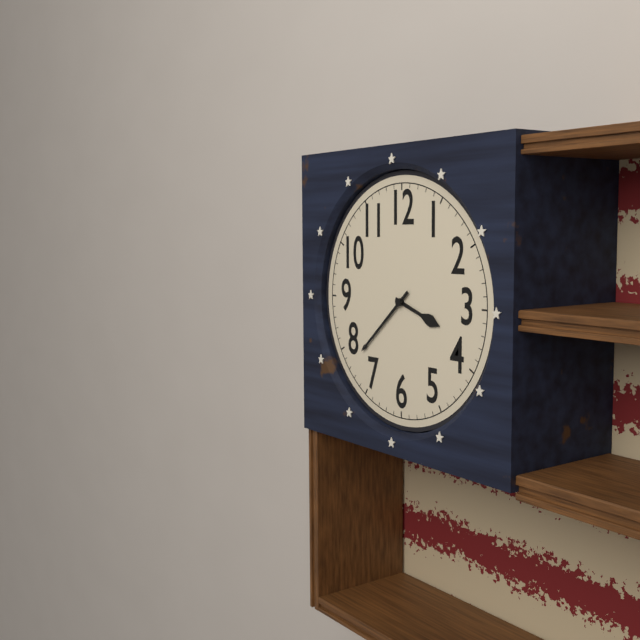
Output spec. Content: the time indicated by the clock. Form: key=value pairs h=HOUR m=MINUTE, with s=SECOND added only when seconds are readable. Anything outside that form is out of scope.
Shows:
h=3 m=38
